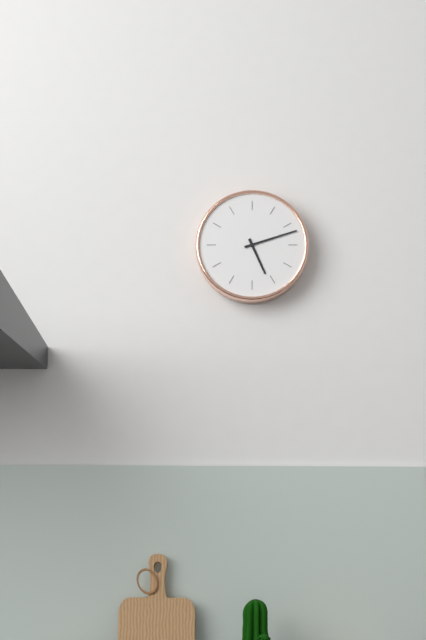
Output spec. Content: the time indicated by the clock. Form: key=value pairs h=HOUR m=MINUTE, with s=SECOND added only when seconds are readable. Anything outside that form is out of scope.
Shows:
h=5 m=12
